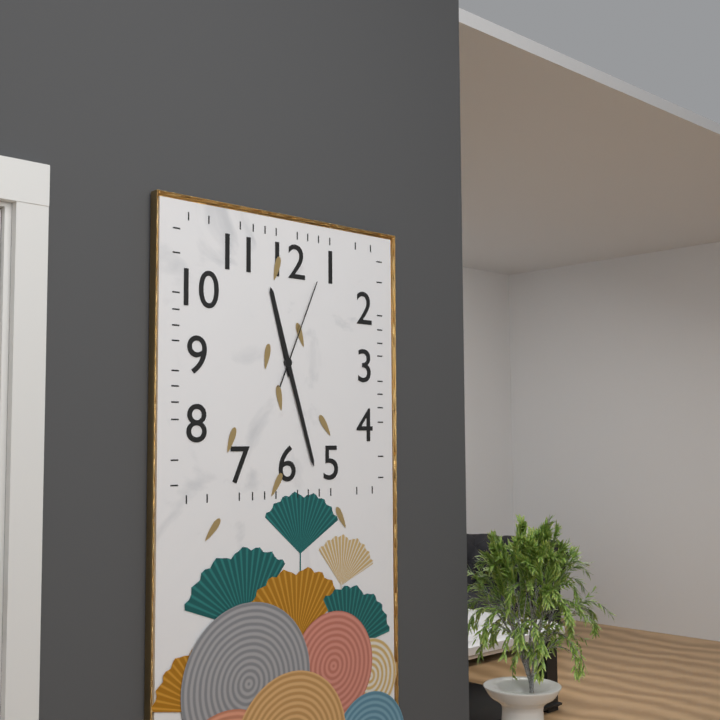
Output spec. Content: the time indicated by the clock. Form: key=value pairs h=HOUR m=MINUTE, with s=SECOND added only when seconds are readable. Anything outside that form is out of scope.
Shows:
h=11 m=27 s=4
